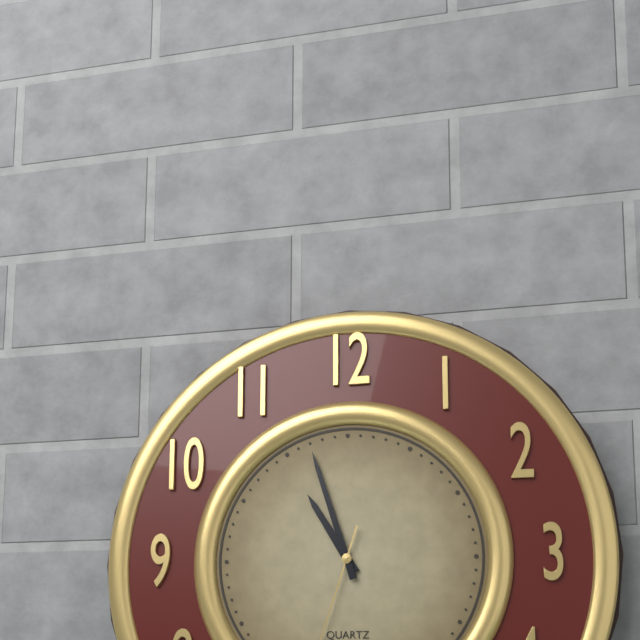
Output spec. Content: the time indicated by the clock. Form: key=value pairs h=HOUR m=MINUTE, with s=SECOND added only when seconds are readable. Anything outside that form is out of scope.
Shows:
h=10 m=57
